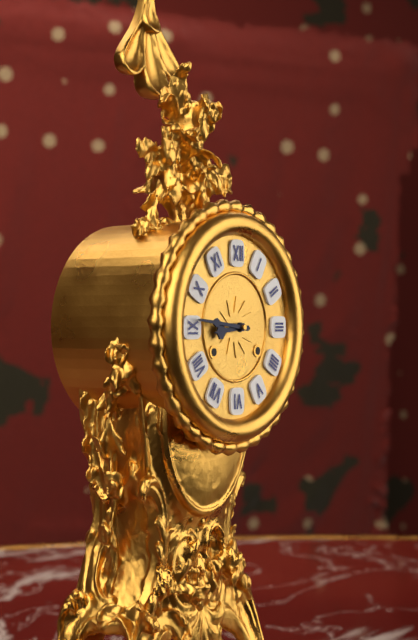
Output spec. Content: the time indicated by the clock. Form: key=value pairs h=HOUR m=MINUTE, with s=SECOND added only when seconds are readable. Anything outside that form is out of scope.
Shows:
h=8 m=46
